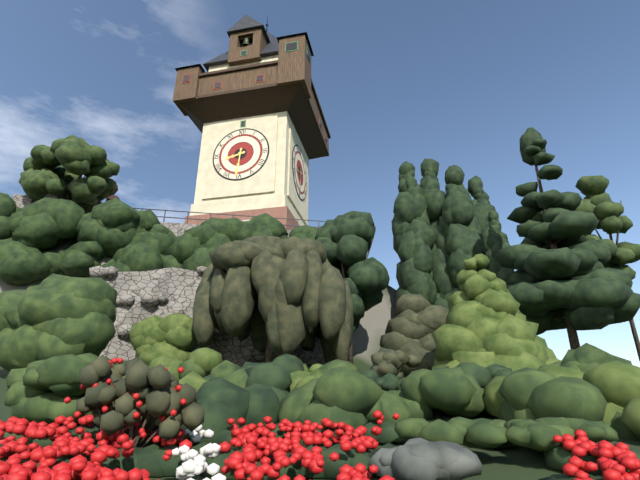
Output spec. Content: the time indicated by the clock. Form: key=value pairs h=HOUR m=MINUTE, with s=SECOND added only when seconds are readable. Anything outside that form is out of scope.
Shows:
h=8 m=31
